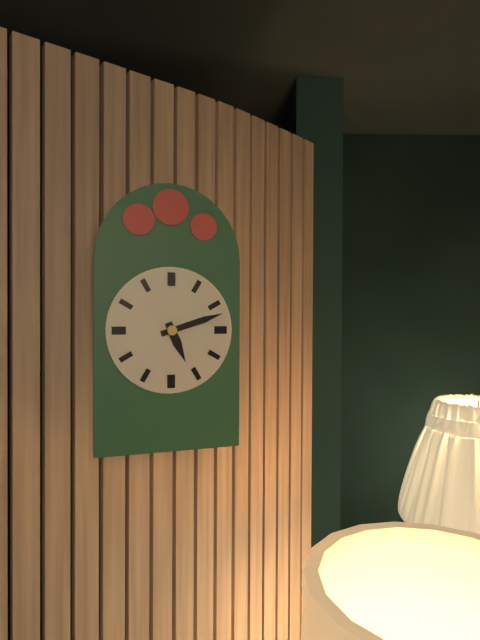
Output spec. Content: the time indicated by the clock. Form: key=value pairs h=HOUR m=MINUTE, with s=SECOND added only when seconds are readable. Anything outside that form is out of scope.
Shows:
h=5 m=12
